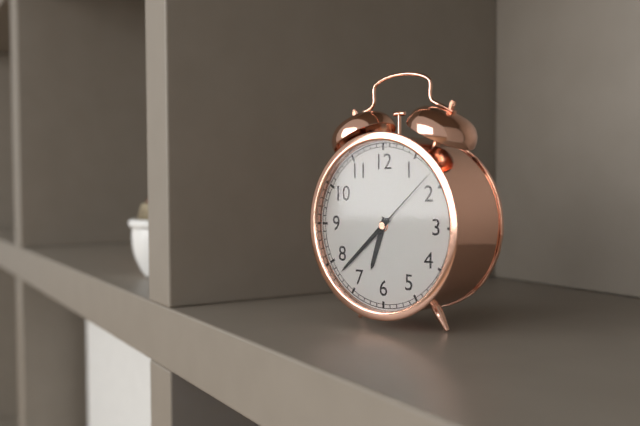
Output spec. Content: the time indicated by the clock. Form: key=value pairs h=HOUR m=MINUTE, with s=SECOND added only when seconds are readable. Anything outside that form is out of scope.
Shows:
h=6 m=38 s=8
